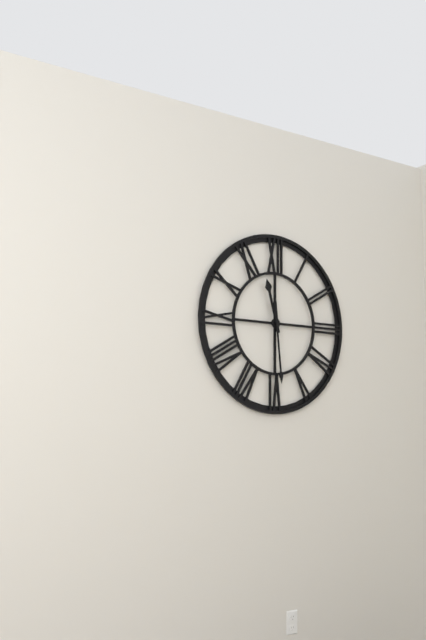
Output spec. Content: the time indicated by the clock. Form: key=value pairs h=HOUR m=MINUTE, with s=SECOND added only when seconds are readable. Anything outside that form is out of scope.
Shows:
h=11 m=29
